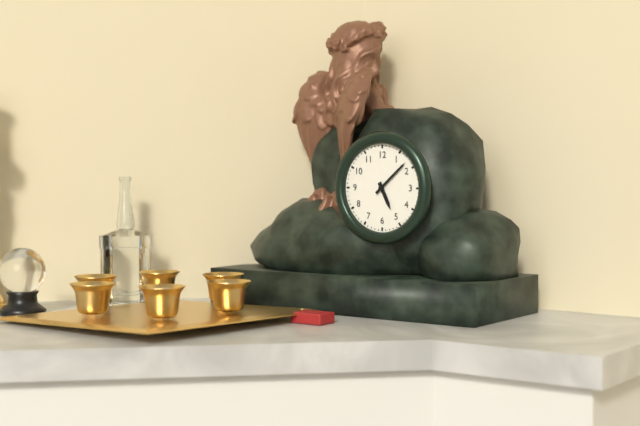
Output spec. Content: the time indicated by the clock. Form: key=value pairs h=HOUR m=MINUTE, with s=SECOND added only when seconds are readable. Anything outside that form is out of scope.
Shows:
h=5 m=8
